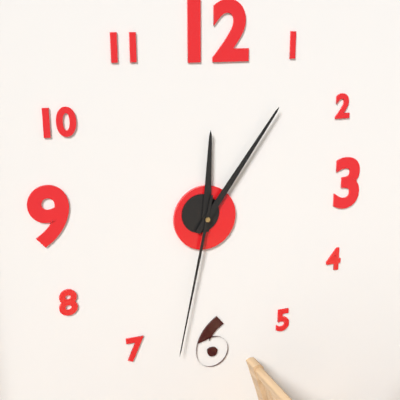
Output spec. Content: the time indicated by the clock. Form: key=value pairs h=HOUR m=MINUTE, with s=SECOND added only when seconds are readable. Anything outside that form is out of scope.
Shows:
h=12 m=6 s=32
